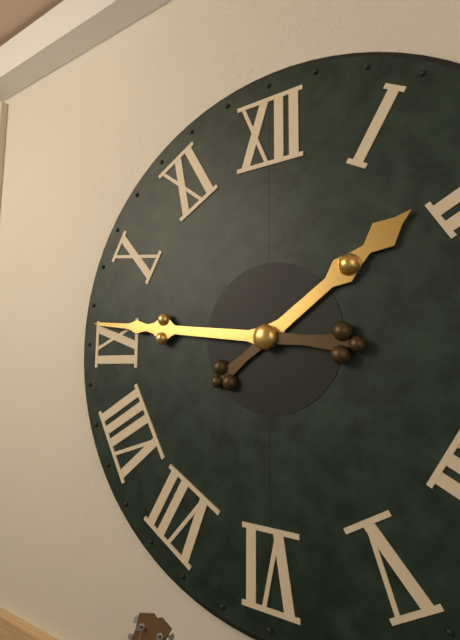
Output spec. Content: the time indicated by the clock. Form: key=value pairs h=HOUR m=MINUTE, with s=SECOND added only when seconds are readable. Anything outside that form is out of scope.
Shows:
h=1 m=46
